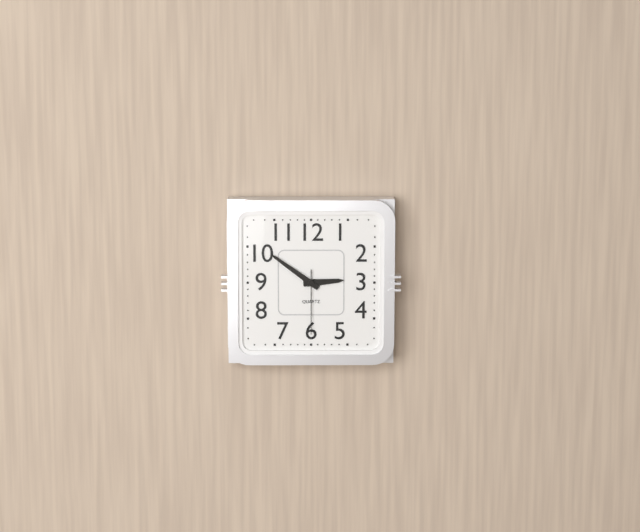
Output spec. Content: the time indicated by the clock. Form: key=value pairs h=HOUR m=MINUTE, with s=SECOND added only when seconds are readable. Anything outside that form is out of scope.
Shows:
h=2 m=51 s=30
